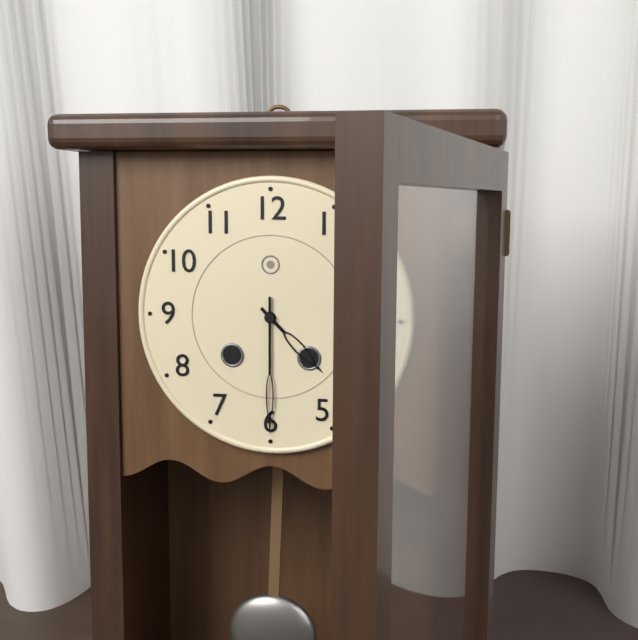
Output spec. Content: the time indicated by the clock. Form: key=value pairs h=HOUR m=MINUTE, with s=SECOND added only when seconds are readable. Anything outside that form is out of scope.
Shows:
h=4 m=30
